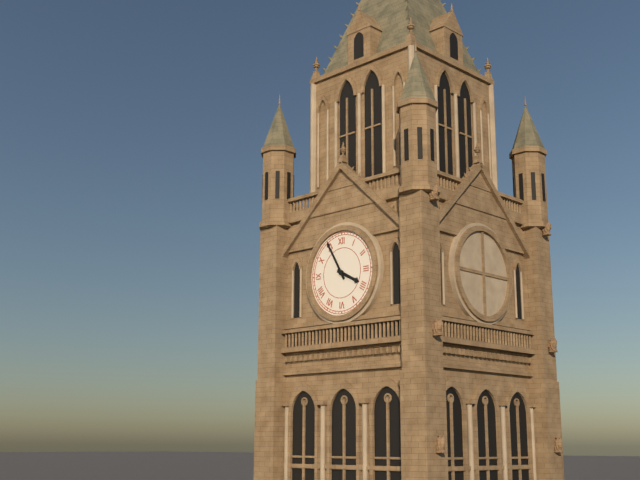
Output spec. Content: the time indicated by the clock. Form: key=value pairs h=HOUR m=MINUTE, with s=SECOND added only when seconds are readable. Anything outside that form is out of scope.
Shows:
h=3 m=55
